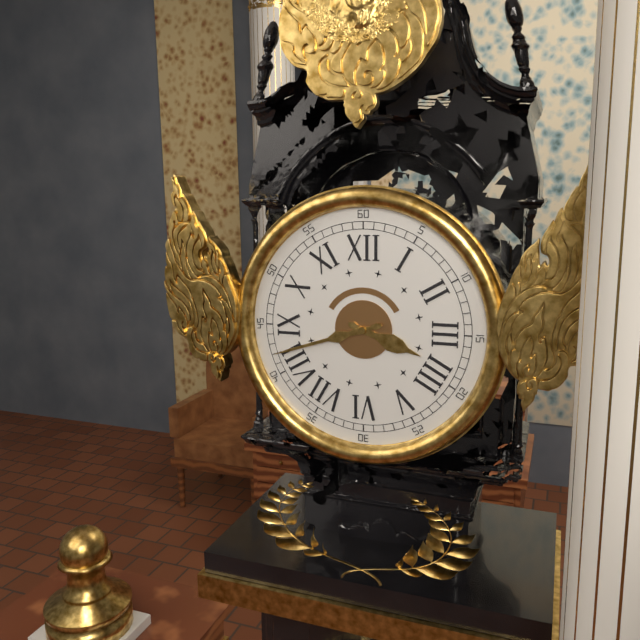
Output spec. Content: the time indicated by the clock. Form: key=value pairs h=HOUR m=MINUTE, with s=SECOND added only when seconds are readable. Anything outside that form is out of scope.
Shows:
h=3 m=42
